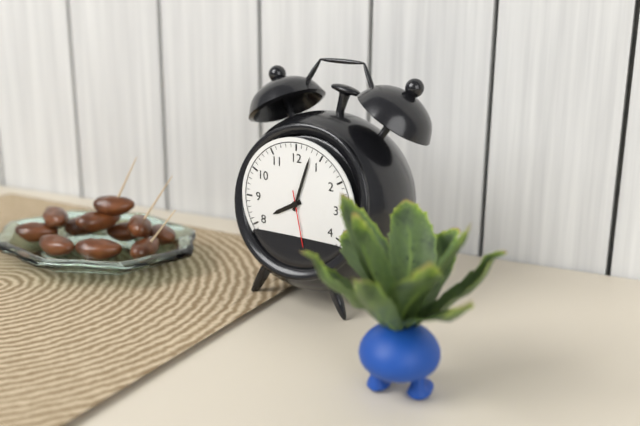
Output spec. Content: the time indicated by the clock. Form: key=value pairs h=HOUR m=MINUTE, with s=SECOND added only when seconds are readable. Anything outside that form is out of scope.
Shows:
h=8 m=3 s=28
